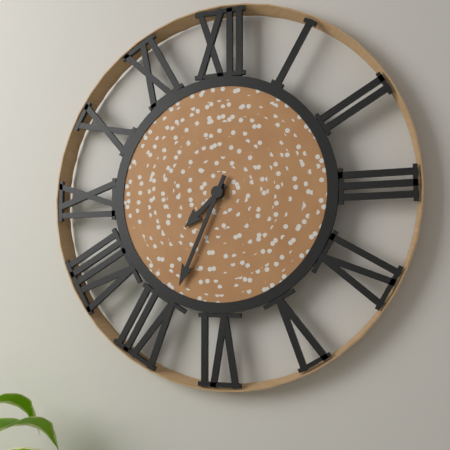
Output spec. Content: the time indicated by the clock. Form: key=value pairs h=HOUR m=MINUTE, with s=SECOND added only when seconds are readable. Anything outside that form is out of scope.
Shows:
h=7 m=34
